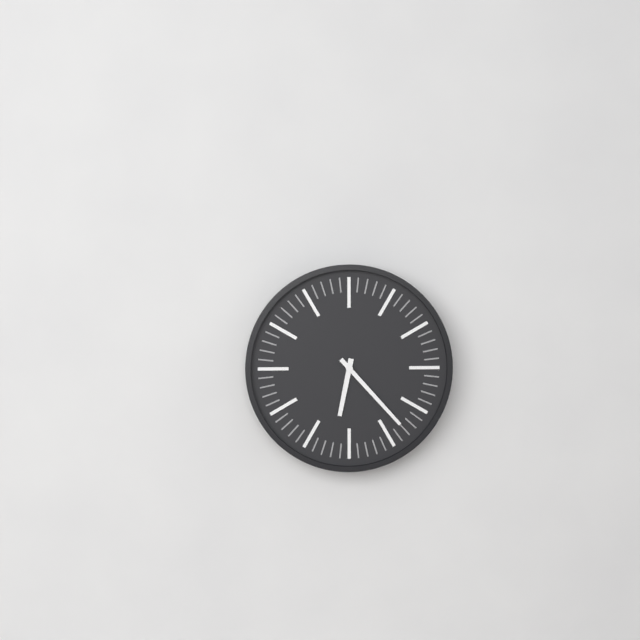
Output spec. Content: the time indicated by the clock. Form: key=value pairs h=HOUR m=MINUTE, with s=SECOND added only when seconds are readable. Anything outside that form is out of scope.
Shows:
h=6 m=23
